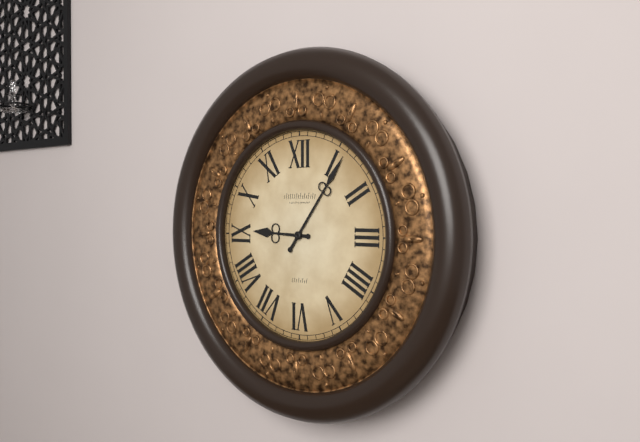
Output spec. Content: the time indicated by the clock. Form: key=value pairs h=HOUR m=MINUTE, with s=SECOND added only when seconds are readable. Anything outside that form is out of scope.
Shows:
h=9 m=6
